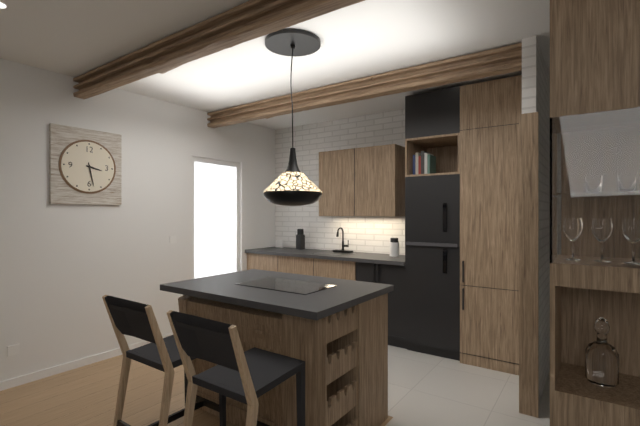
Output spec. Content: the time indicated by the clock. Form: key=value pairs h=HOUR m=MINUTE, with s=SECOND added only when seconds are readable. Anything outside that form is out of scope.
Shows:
h=3 m=28
